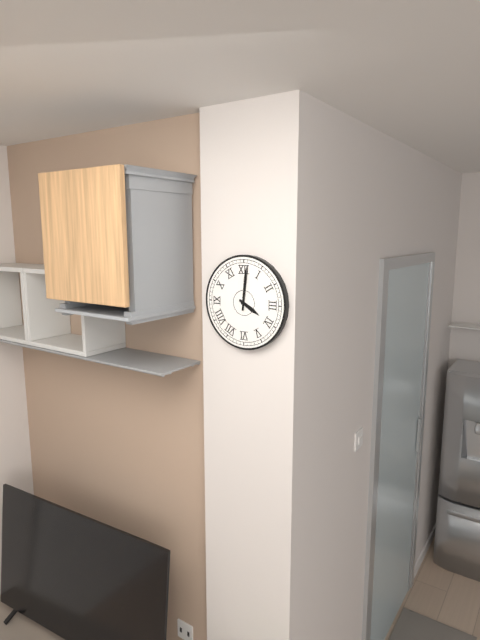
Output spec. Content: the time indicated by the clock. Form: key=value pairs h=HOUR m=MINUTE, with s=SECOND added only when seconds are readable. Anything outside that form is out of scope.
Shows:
h=4 m=1
